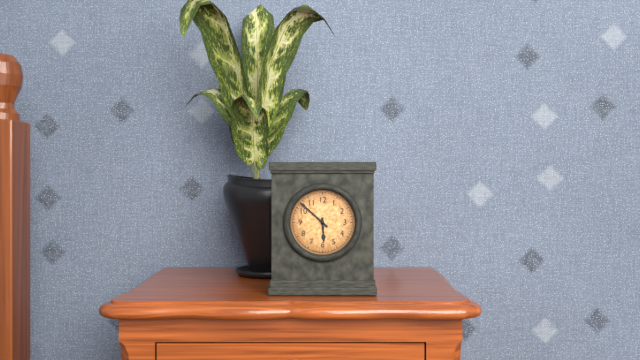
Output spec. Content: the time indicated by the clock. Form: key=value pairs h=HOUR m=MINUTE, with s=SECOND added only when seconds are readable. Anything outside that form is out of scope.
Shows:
h=5 m=52
